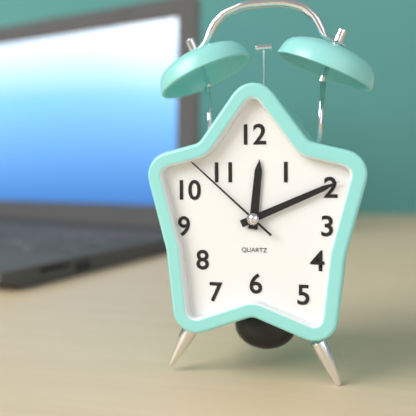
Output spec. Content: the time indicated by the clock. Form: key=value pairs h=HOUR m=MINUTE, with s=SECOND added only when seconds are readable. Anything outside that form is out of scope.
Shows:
h=12 m=11 s=52
